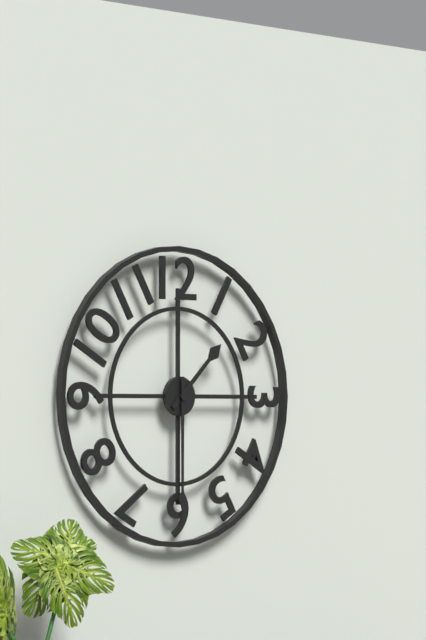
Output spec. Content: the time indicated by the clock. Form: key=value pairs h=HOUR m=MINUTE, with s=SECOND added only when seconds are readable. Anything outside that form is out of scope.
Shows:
h=1 m=30
